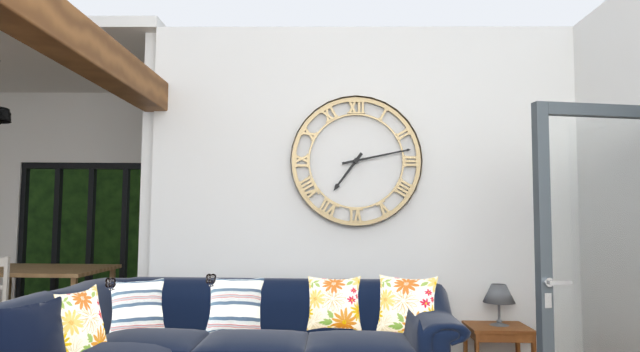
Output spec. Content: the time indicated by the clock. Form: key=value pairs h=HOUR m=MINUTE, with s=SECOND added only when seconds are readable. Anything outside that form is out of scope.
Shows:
h=7 m=13
